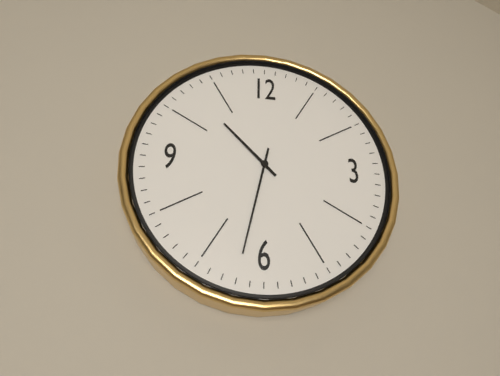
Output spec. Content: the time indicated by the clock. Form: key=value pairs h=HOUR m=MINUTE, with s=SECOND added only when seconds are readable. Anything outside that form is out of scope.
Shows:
h=10 m=32
